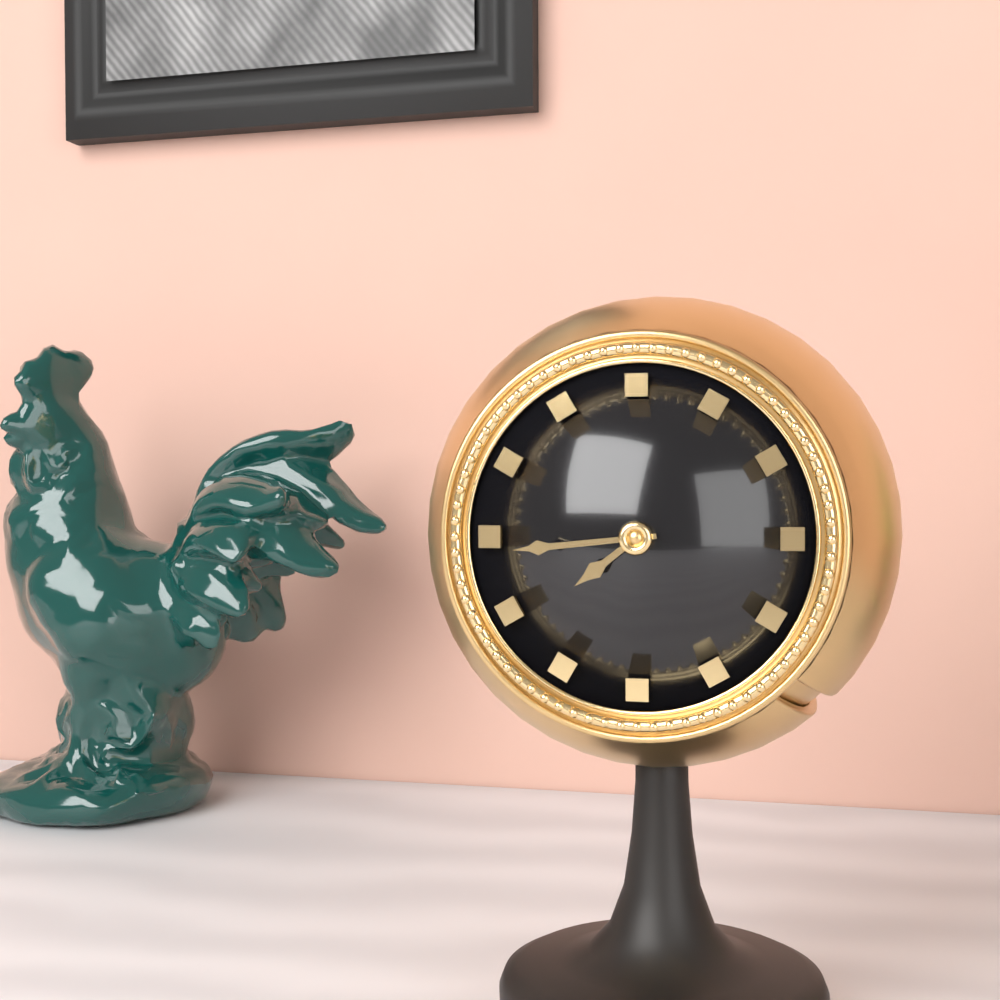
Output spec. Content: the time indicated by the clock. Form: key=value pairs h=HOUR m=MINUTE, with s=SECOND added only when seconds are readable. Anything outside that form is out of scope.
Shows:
h=7 m=44
